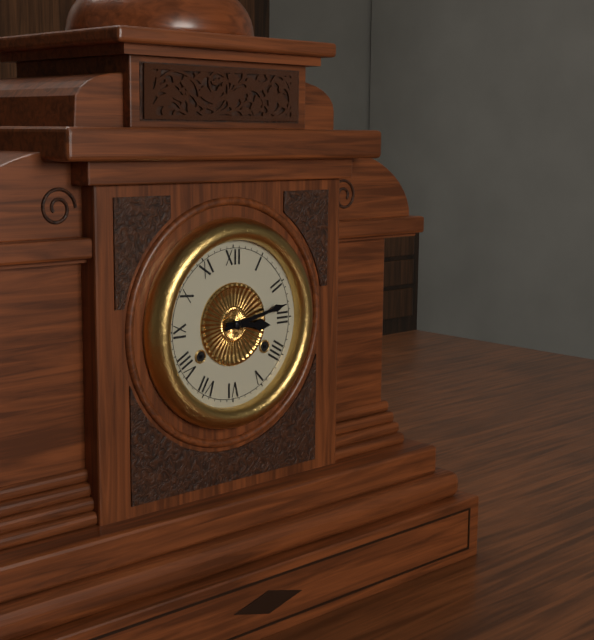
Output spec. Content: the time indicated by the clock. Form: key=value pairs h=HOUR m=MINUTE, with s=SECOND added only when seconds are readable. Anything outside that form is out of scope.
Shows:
h=3 m=13
